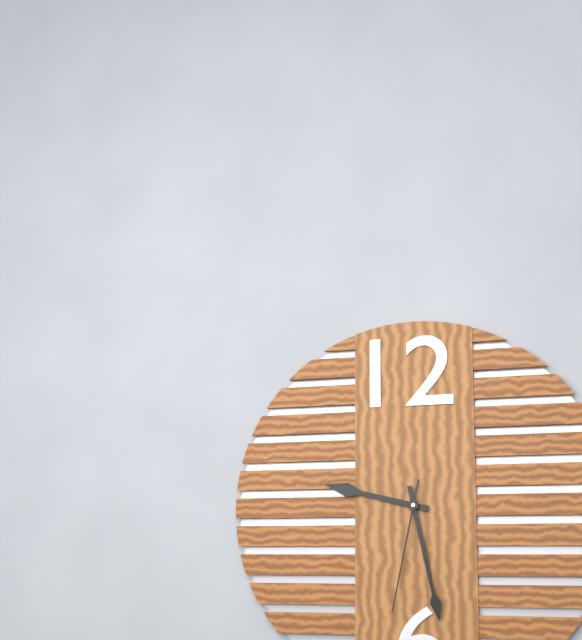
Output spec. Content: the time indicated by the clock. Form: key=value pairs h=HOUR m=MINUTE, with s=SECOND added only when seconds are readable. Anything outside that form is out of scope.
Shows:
h=9 m=28 s=32
